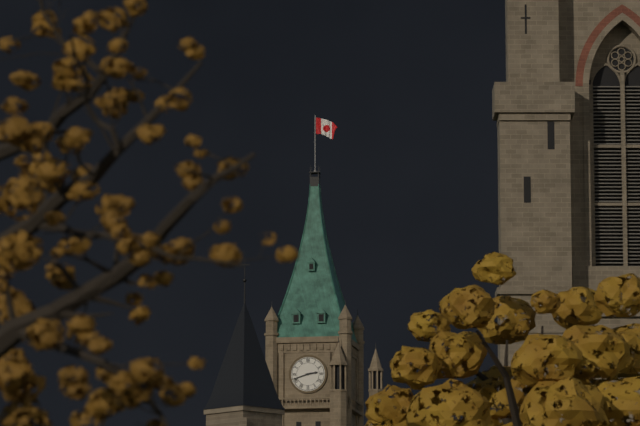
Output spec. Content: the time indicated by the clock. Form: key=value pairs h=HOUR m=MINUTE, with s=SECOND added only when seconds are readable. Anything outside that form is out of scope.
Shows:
h=2 m=42
